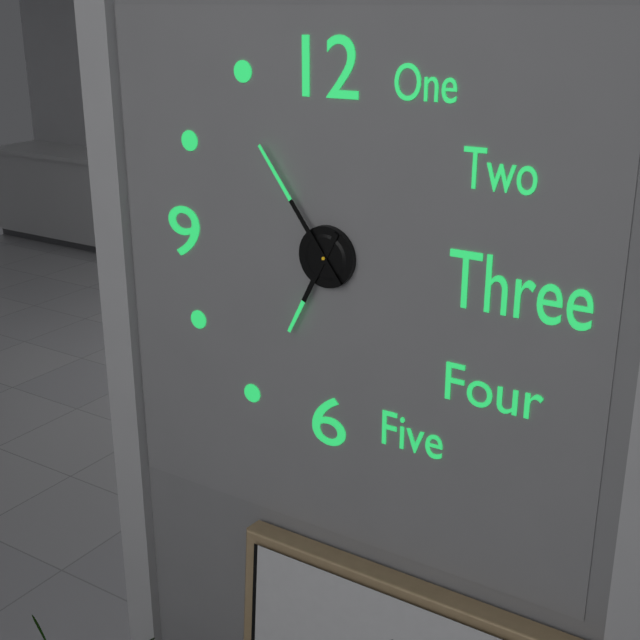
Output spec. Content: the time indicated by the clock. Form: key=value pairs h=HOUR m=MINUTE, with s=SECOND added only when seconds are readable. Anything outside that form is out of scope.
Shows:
h=6 m=54
